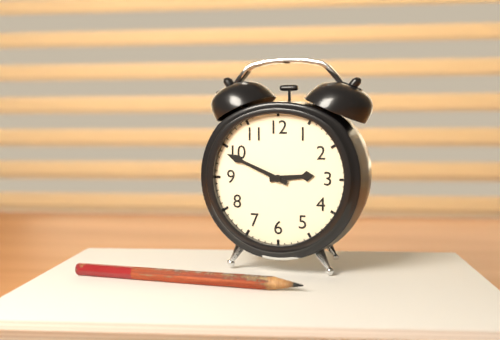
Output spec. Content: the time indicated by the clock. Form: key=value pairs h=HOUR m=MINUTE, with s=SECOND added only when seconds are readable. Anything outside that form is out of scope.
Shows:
h=2 m=49
